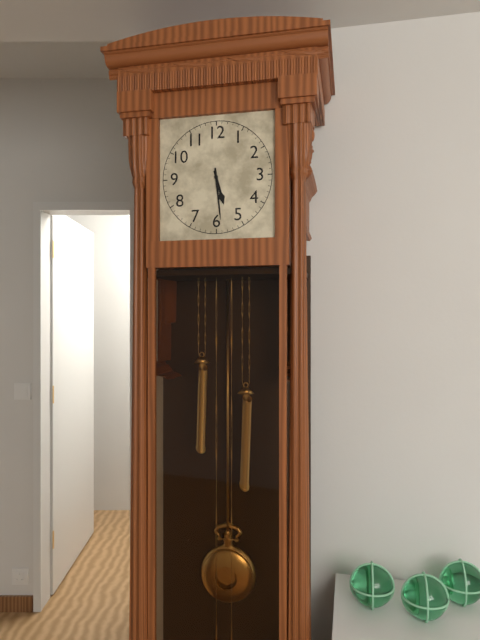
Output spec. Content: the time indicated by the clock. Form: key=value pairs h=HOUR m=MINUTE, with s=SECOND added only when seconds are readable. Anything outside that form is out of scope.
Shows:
h=5 m=29
